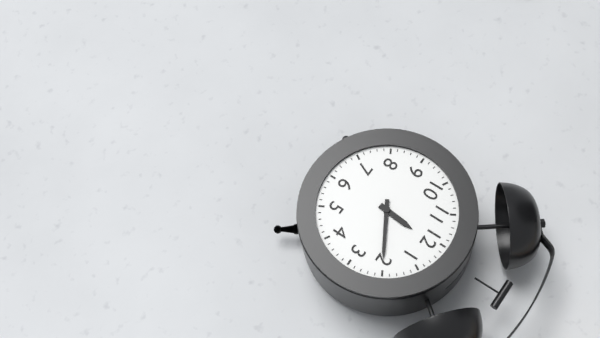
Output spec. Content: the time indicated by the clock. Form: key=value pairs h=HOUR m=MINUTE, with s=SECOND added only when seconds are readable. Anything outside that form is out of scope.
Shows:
h=12 m=10
